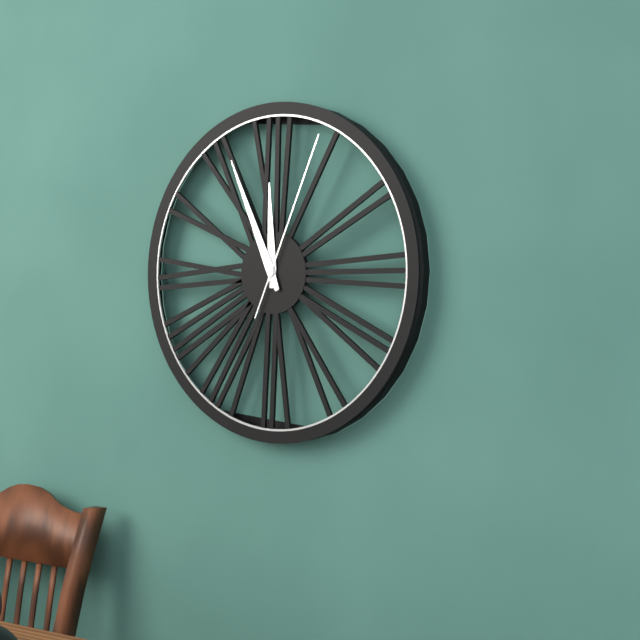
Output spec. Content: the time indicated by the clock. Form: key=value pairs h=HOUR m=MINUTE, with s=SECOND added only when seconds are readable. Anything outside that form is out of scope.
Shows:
h=11 m=56 s=4
